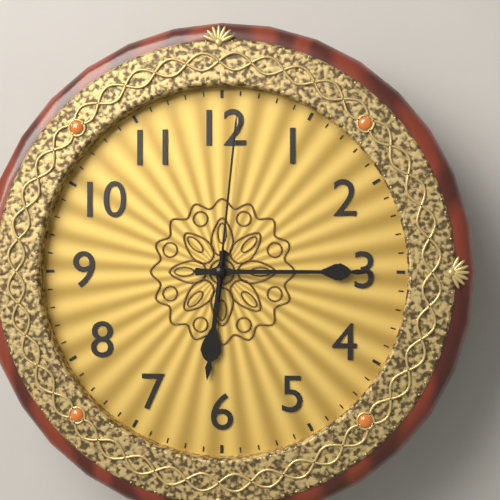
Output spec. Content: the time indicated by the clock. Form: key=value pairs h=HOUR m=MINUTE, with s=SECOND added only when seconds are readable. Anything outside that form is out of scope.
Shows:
h=6 m=15 s=1
